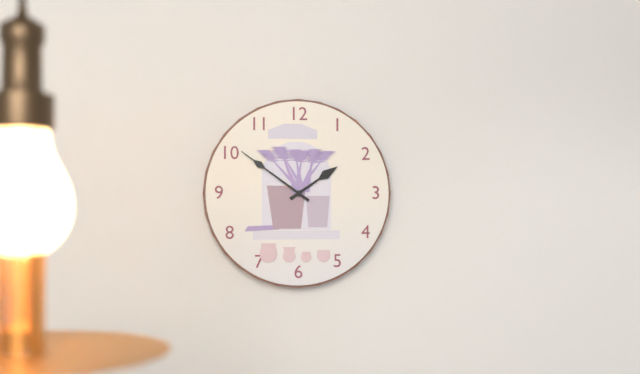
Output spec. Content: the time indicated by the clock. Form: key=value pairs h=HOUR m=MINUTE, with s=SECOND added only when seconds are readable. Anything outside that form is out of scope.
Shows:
h=1 m=51
